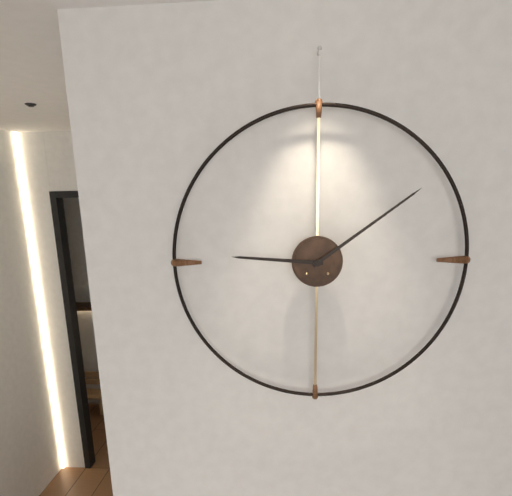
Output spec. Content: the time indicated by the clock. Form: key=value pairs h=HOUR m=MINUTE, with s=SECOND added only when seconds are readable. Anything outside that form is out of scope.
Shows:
h=9 m=9
